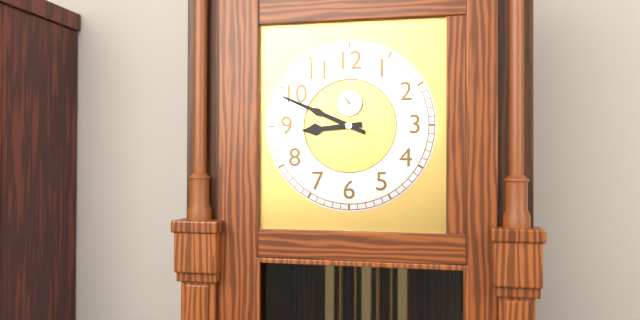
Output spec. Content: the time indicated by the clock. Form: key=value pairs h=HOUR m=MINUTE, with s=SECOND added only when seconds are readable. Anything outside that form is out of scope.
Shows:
h=8 m=49
